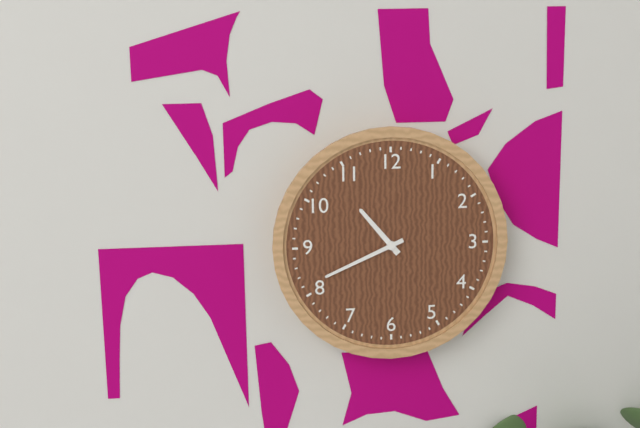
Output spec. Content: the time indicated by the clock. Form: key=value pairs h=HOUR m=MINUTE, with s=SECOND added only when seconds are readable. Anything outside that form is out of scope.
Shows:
h=10 m=41
